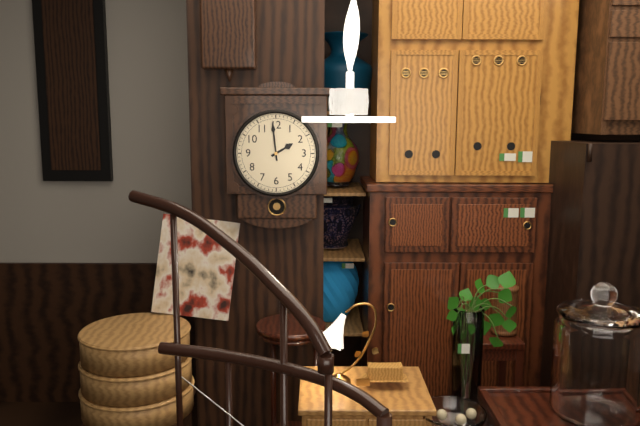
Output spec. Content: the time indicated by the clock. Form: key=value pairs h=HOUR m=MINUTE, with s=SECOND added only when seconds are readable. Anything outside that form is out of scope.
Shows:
h=1 m=59
